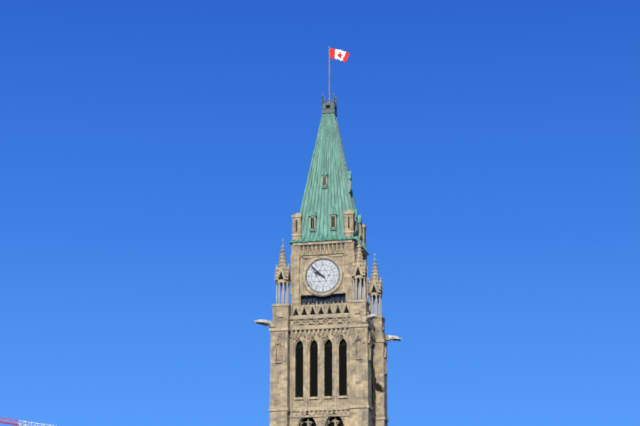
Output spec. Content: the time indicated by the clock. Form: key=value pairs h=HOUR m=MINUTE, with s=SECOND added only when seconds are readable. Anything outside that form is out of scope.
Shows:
h=9 m=52
